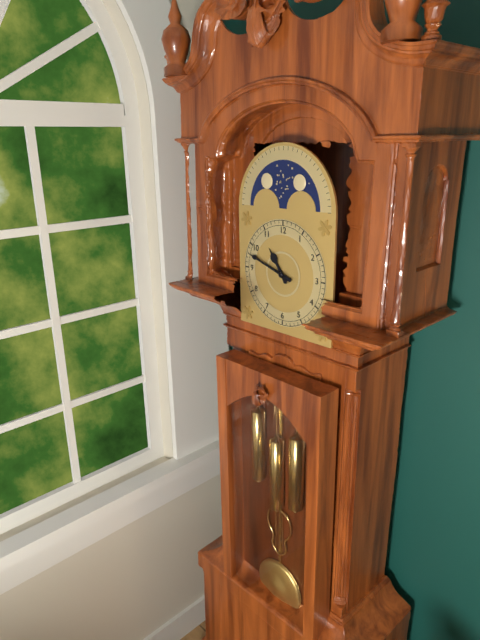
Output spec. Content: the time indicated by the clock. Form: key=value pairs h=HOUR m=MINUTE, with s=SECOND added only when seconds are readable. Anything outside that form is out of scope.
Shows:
h=10 m=48
